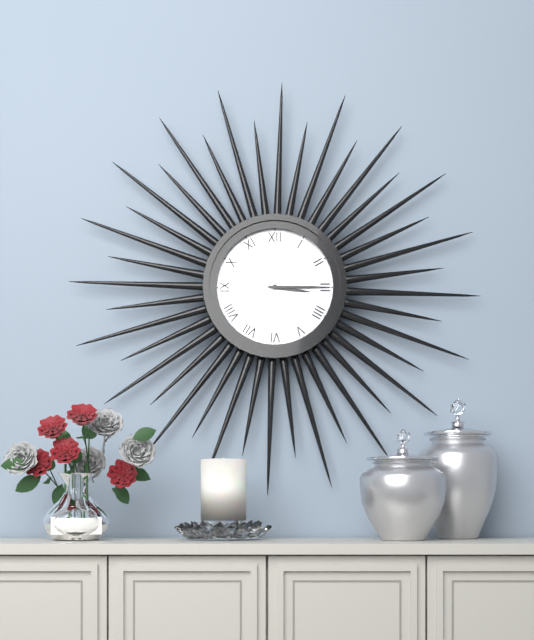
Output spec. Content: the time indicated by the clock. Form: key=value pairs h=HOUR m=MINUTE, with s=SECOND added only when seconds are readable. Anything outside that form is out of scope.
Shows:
h=3 m=15
